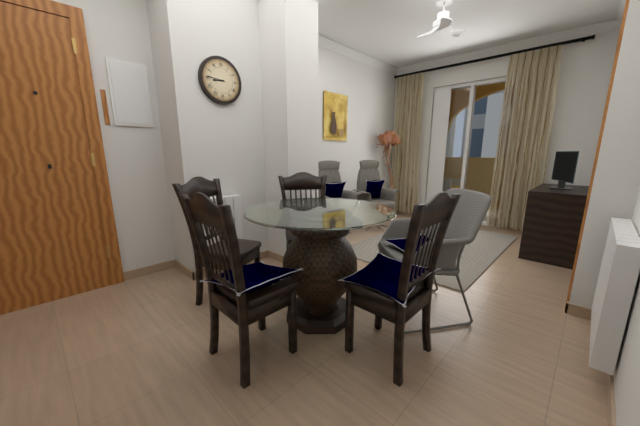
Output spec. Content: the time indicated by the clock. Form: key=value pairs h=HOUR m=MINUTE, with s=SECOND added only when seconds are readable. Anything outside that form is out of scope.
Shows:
h=8 m=46
